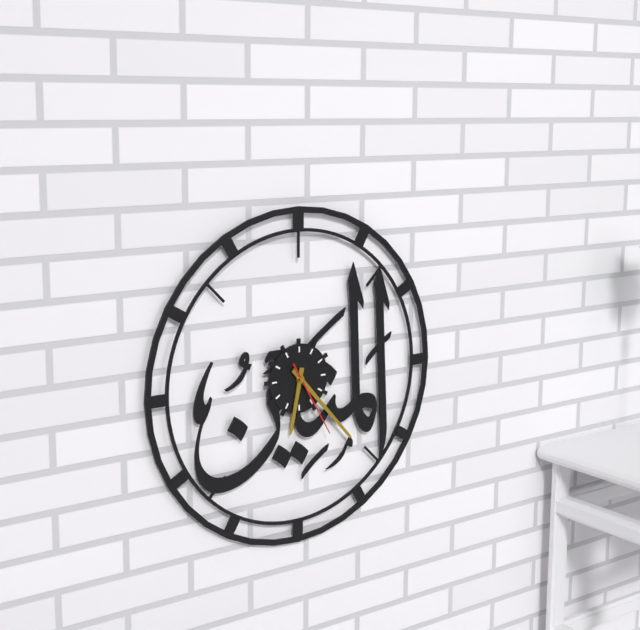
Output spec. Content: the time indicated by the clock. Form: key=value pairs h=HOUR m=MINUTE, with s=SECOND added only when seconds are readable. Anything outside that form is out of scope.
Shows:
h=6 m=23 s=25
